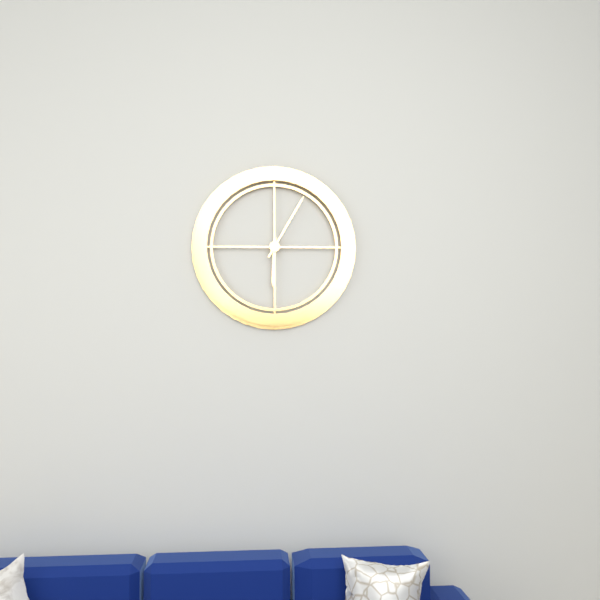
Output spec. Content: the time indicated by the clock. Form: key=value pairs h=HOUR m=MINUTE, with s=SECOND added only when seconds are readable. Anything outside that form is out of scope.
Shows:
h=6 m=5
